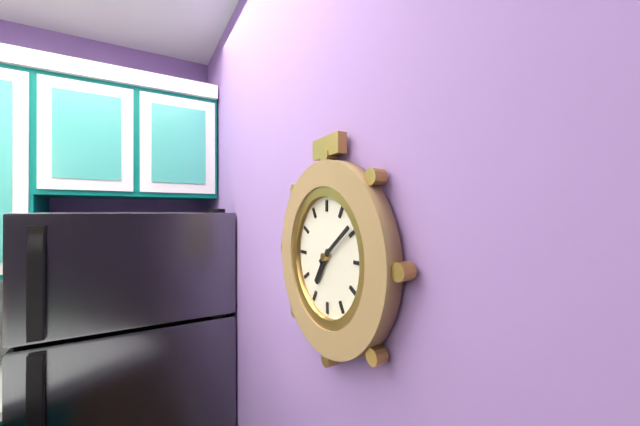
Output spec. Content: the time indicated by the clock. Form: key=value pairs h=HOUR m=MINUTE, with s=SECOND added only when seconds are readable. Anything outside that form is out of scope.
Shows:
h=7 m=9
